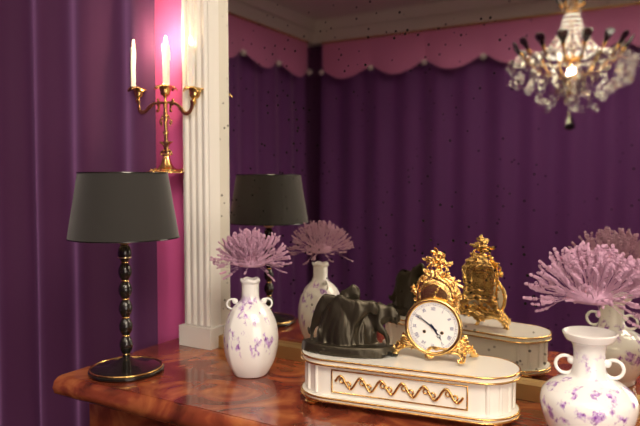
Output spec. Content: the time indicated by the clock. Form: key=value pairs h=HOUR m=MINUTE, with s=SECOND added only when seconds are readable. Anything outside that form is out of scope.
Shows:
h=4 m=51
